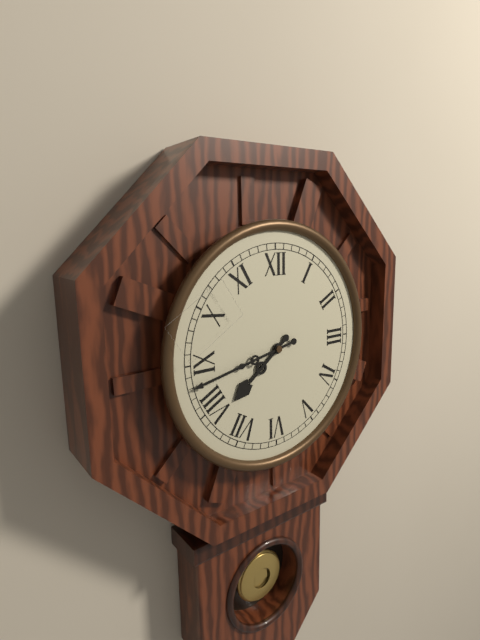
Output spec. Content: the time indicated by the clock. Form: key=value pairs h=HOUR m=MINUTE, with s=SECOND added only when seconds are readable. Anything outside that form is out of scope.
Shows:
h=7 m=43
